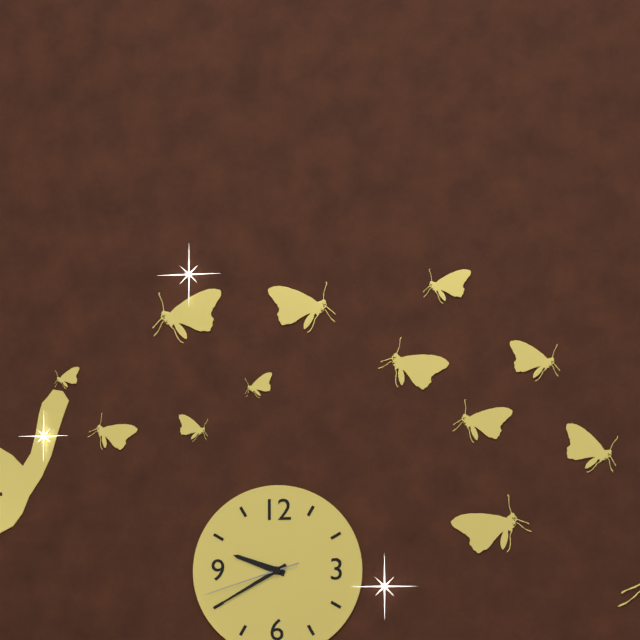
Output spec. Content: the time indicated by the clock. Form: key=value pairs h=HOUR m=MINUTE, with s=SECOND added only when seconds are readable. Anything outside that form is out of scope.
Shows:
h=9 m=40 s=42
